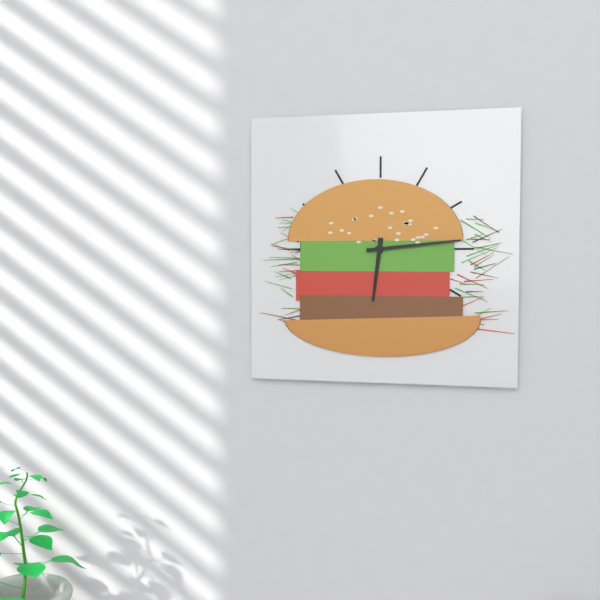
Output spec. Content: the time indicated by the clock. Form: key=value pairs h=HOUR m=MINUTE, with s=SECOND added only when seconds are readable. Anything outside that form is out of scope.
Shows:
h=6 m=14
